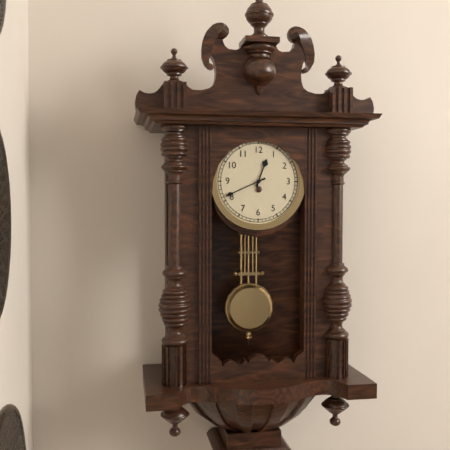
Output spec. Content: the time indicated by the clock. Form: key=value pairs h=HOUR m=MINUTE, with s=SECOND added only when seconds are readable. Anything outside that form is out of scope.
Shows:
h=12 m=41
